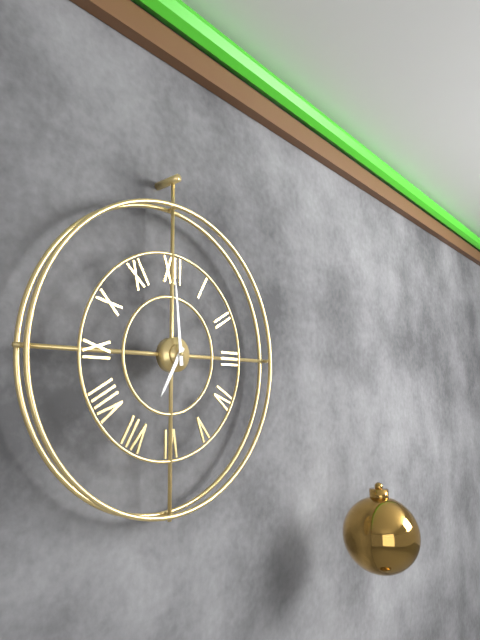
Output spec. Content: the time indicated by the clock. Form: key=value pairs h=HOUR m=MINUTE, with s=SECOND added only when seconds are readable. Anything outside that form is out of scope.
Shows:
h=6 m=59
